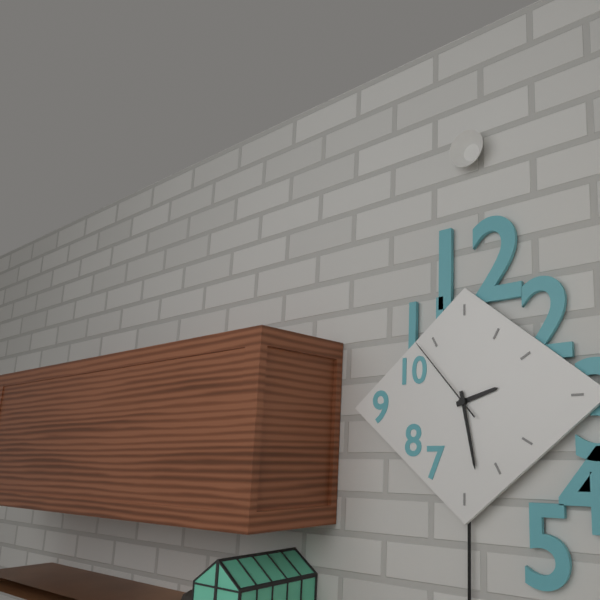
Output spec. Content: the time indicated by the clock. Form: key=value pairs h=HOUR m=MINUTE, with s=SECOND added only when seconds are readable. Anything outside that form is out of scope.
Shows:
h=2 m=28 s=53
